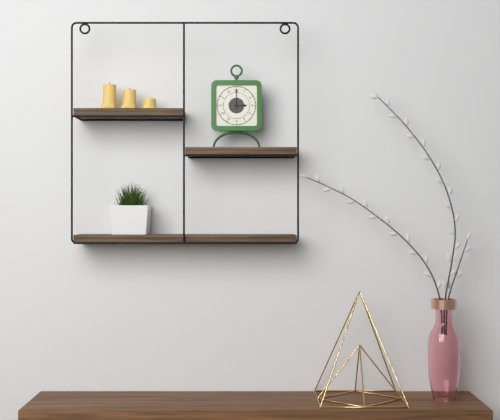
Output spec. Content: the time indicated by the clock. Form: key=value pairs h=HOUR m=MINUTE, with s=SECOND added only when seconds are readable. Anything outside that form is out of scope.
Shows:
h=3 m=0
